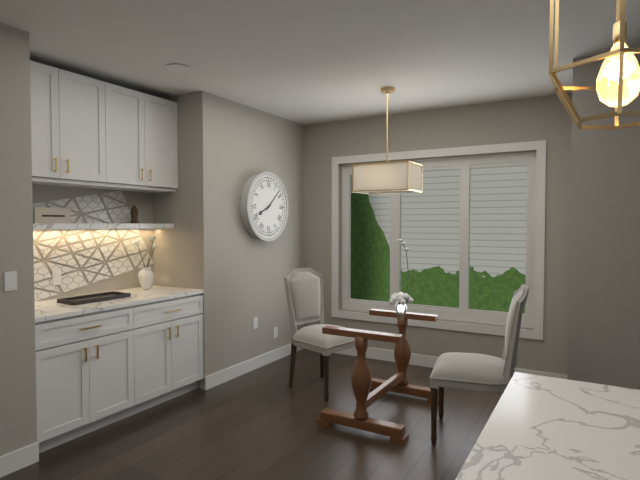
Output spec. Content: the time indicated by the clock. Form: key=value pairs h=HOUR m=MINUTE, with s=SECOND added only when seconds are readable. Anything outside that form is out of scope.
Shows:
h=8 m=8
